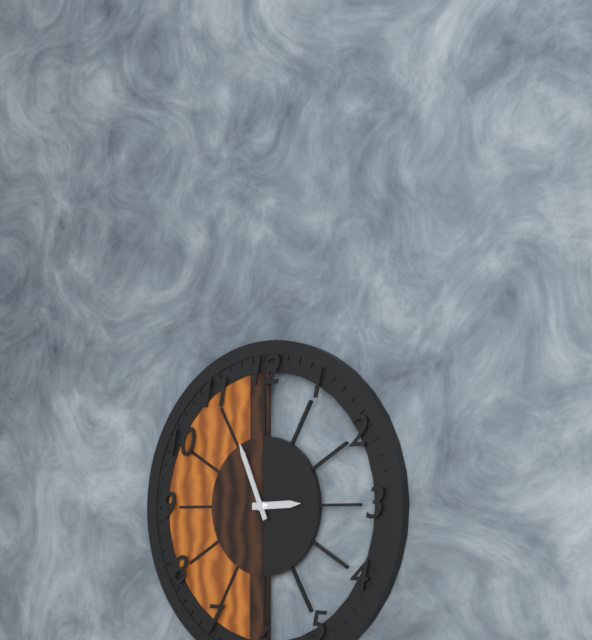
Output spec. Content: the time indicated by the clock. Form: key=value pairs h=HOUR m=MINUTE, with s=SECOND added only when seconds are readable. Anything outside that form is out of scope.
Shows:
h=2 m=56
